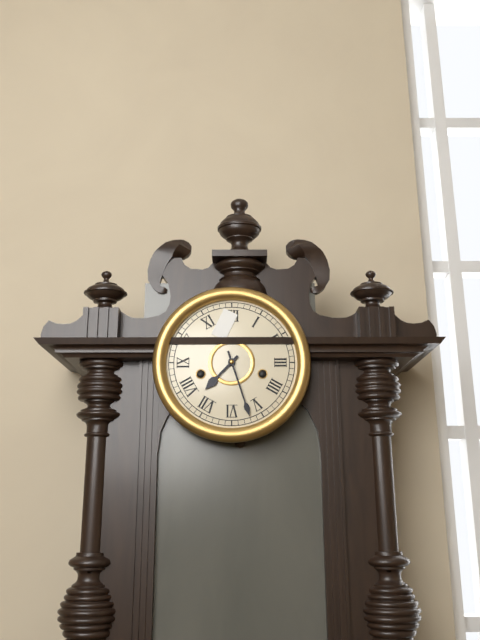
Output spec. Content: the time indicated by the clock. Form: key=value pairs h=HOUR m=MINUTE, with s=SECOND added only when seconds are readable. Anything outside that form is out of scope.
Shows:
h=7 m=27
